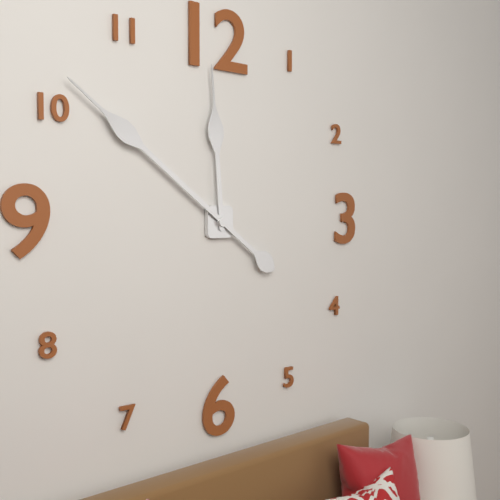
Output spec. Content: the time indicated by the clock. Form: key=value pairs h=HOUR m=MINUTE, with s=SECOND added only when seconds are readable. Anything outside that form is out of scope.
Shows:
h=11 m=51
